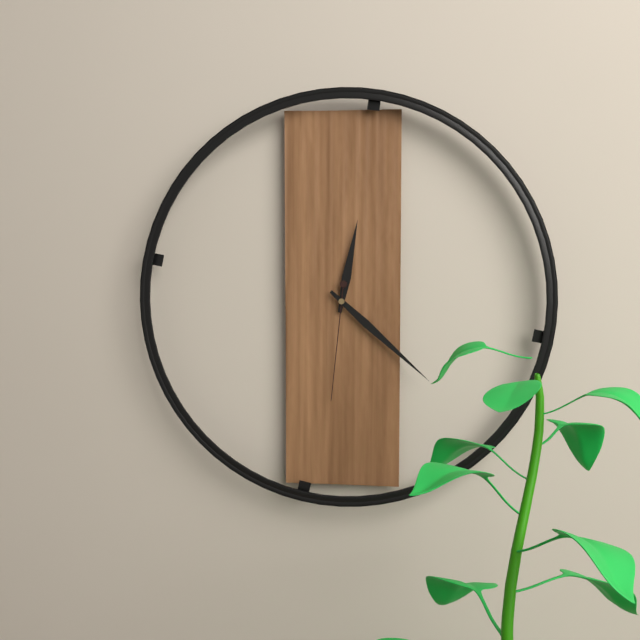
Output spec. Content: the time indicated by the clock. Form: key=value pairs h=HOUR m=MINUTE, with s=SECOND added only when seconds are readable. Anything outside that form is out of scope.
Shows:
h=12 m=22 s=31
